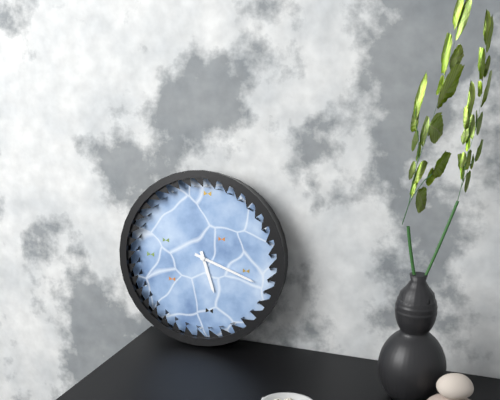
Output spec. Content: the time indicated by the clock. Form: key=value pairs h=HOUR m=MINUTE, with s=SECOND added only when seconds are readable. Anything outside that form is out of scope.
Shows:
h=5 m=18
